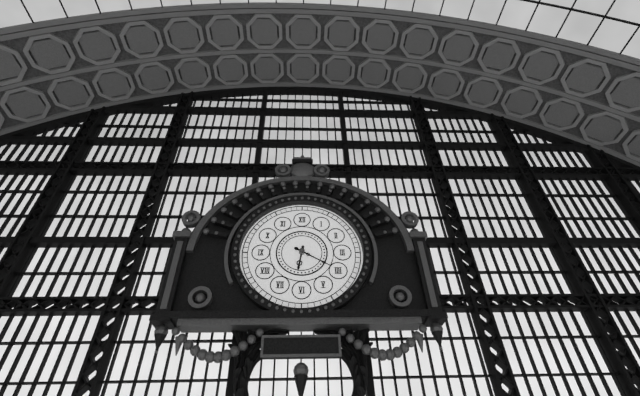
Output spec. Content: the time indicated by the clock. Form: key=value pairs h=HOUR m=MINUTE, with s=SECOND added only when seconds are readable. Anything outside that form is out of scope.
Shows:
h=6 m=20
